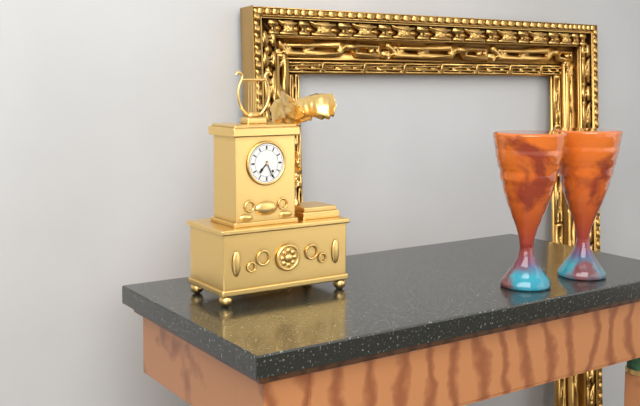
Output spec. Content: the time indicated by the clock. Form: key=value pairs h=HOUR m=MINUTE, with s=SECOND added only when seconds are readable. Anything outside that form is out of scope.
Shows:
h=7 m=26
